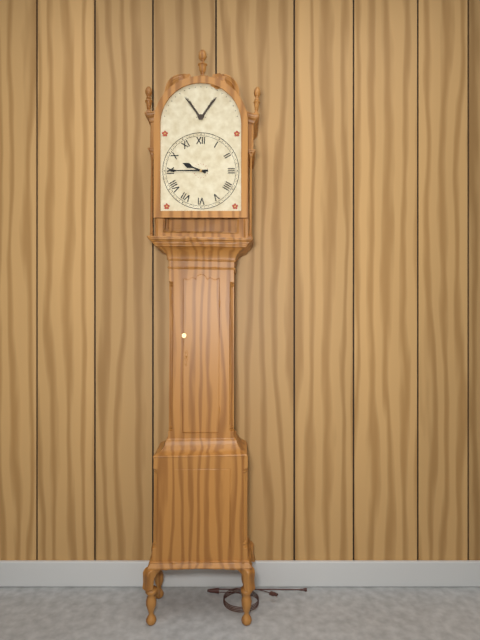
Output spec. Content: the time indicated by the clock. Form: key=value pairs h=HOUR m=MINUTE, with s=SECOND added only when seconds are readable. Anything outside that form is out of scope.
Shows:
h=9 m=45
